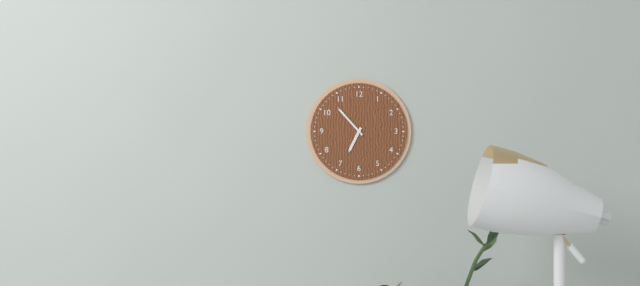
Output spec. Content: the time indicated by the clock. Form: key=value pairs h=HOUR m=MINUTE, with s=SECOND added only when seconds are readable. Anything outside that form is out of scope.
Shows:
h=6 m=53
